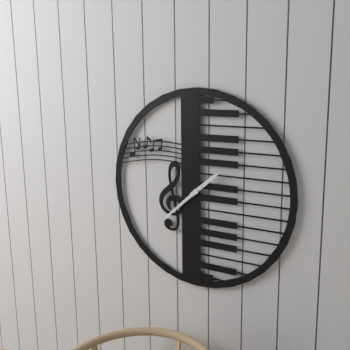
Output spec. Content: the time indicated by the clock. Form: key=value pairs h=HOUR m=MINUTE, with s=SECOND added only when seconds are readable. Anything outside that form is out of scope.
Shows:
h=1 m=38
